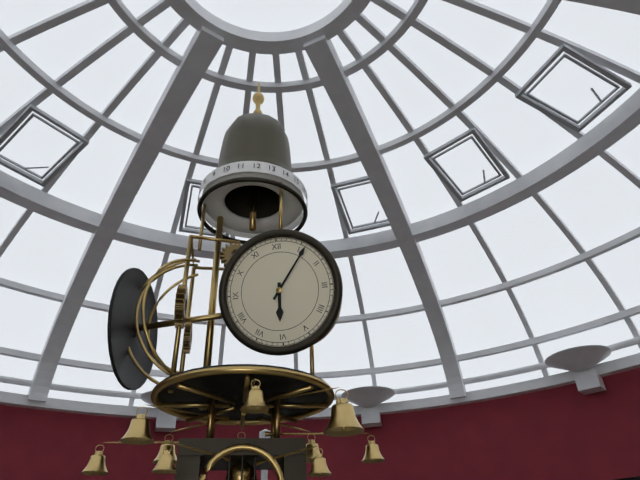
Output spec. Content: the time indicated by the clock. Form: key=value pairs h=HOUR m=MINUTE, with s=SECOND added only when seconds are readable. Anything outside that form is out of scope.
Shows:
h=6 m=6
